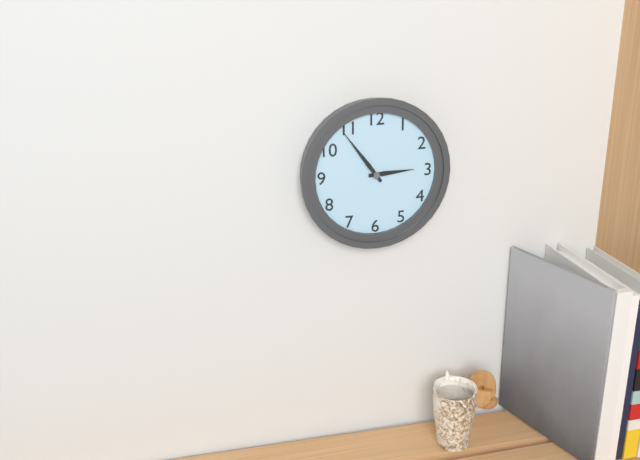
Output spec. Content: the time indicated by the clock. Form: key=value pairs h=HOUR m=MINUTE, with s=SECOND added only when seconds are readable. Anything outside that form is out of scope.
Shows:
h=2 m=54
